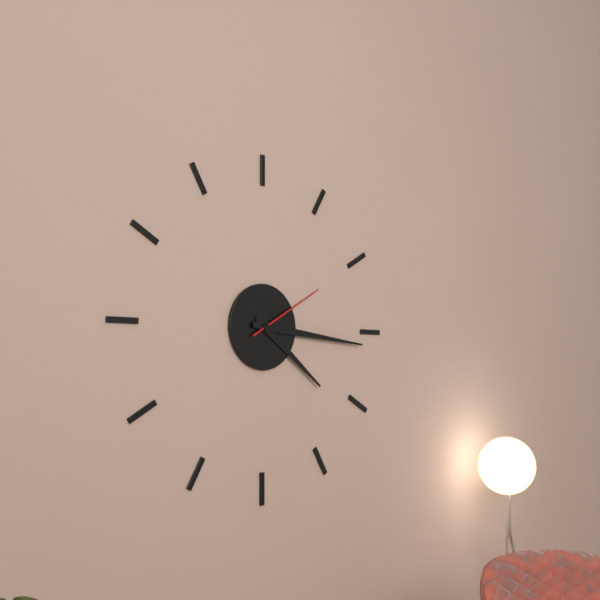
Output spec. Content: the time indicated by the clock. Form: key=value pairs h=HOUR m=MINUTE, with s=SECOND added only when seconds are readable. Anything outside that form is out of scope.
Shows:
h=4 m=16 s=10
